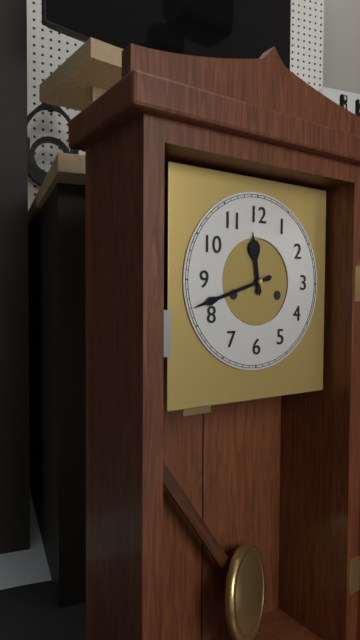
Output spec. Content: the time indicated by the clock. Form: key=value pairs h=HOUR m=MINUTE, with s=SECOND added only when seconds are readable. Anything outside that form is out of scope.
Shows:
h=11 m=42
